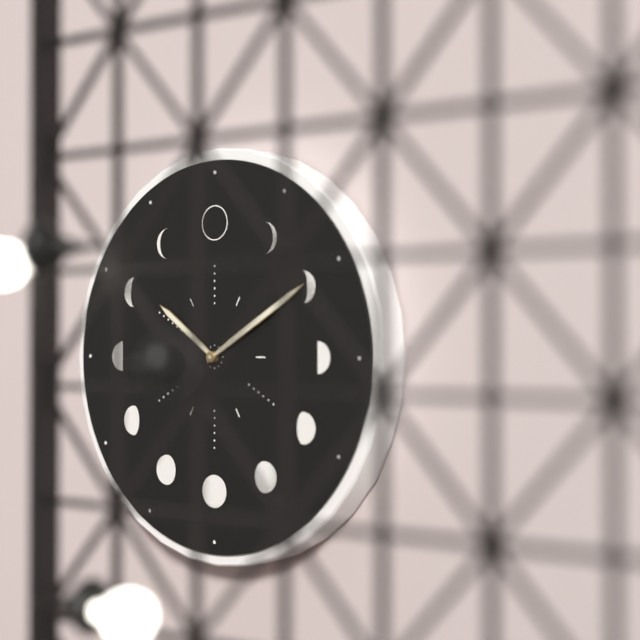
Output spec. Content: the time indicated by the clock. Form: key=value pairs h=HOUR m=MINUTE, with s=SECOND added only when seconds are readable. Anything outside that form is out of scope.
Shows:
h=10 m=10
